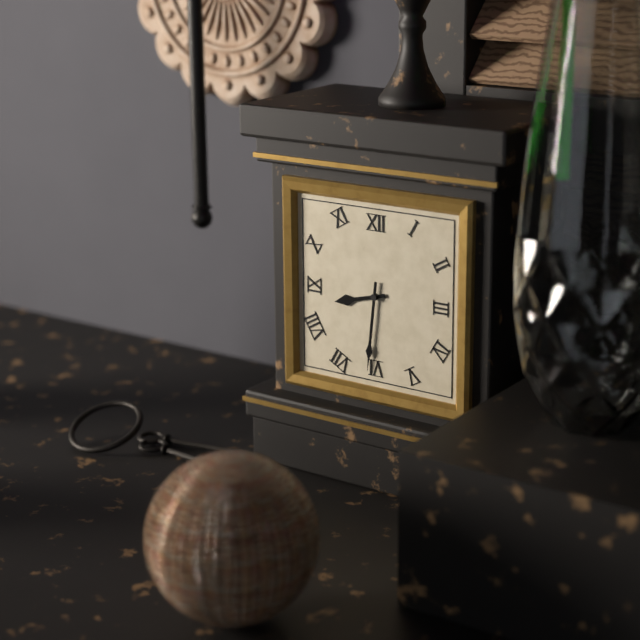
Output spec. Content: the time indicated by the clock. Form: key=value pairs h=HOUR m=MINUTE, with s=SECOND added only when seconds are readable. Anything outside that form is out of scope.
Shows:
h=8 m=31
